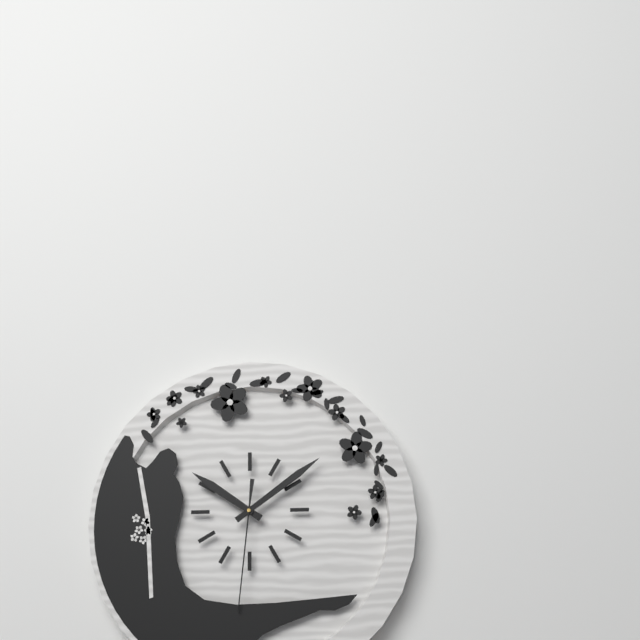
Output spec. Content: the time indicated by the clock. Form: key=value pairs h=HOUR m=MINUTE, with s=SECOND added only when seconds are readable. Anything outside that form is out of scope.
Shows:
h=10 m=9 s=31
